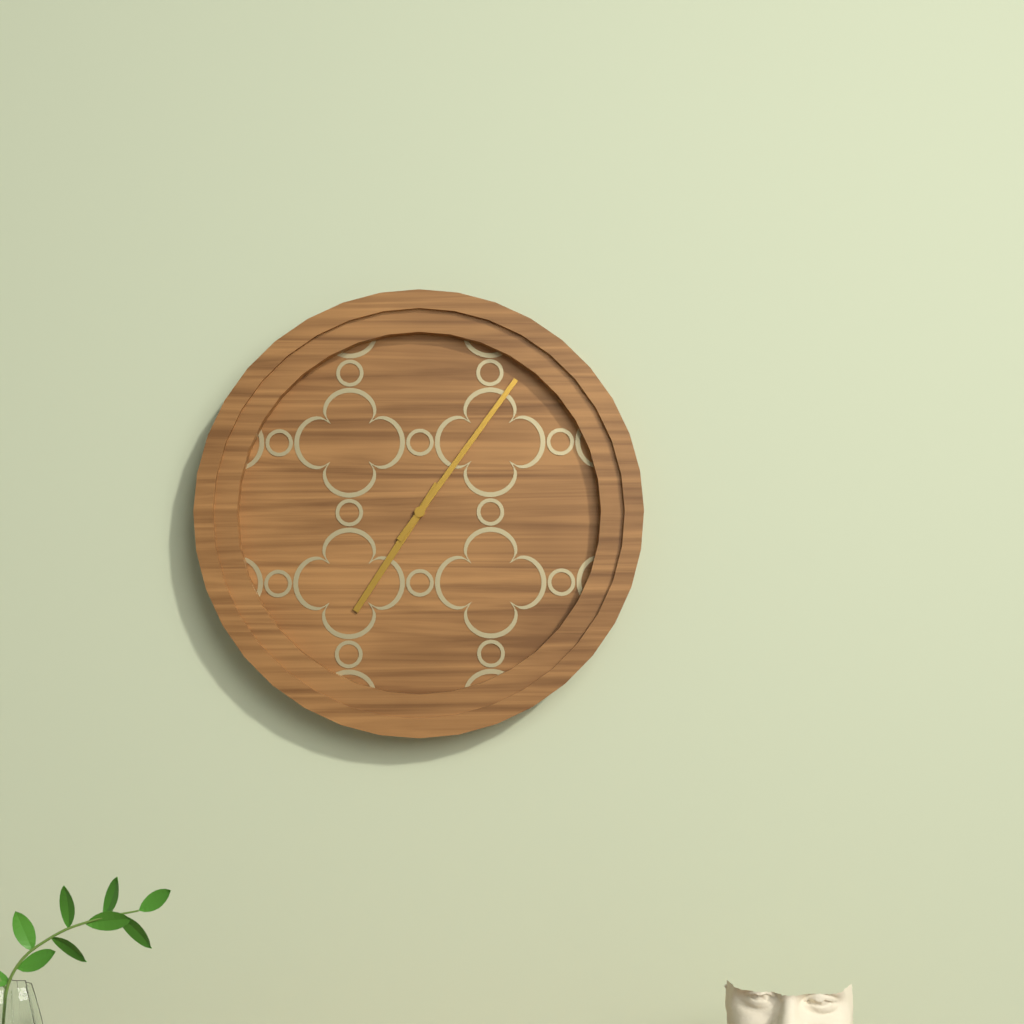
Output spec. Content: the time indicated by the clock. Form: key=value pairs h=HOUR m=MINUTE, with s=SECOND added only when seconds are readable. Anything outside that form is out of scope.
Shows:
h=7 m=6
